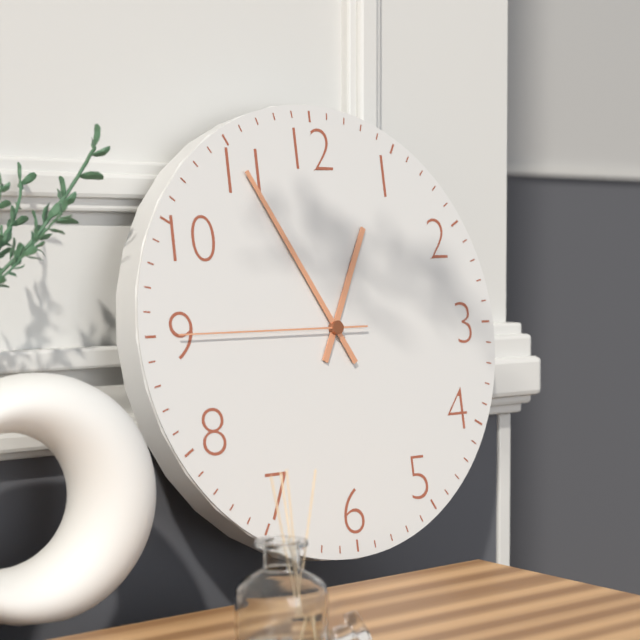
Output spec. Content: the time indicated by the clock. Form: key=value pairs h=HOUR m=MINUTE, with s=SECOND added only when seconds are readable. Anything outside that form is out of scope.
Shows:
h=12 m=55 s=45
